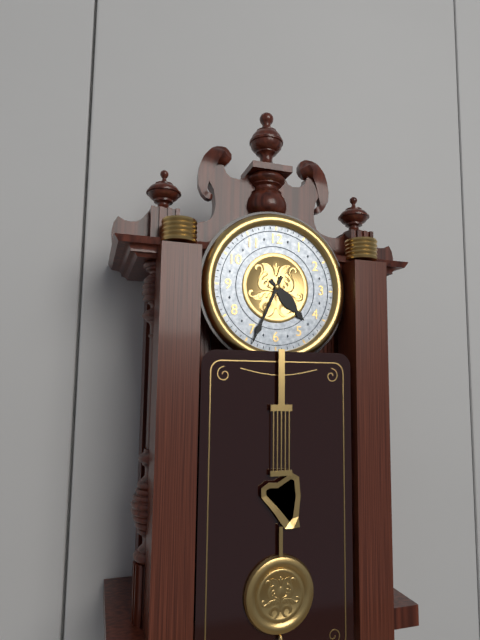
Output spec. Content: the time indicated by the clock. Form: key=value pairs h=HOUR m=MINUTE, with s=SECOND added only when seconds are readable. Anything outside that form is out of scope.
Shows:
h=4 m=34
